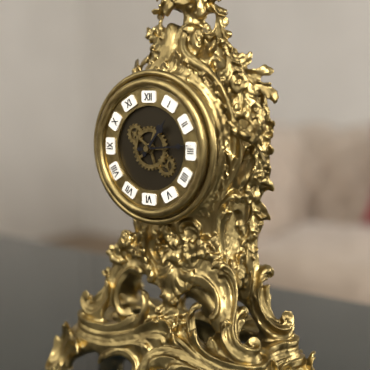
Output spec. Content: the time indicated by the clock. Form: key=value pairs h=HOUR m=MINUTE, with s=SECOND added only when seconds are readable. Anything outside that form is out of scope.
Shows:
h=1 m=14
